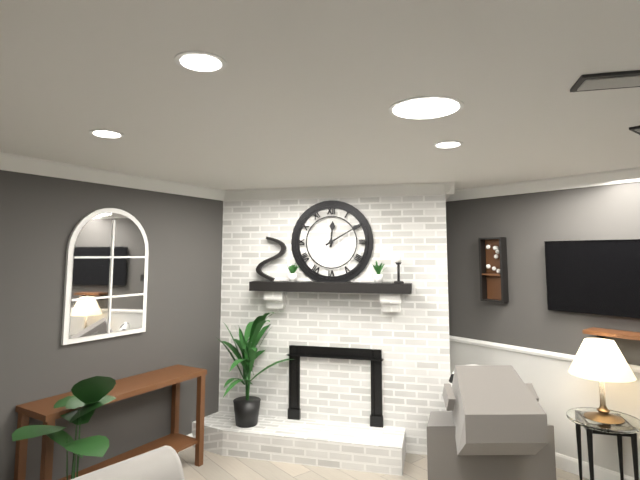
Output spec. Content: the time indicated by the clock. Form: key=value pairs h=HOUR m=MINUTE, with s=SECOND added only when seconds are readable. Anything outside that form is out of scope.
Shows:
h=12 m=10
